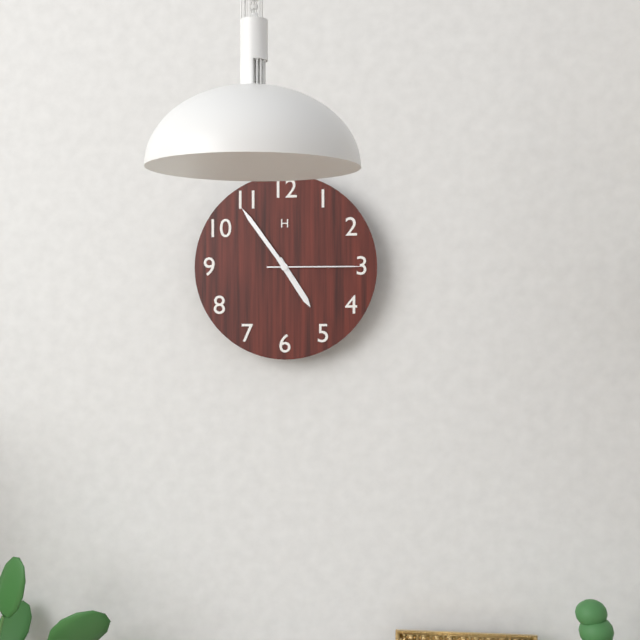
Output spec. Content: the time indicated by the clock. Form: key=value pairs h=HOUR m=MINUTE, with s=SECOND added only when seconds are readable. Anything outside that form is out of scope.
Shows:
h=4 m=54 s=15
